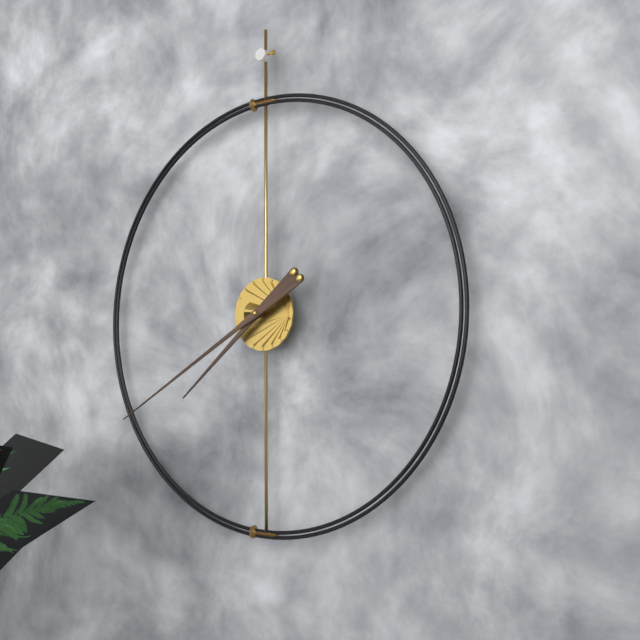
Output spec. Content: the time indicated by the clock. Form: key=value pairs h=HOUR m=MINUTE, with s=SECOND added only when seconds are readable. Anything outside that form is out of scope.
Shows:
h=7 m=40
